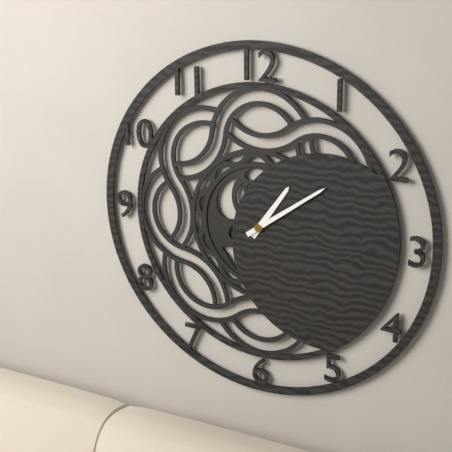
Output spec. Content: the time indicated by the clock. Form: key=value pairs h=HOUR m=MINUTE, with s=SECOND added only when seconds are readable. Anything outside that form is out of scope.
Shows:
h=1 m=9
